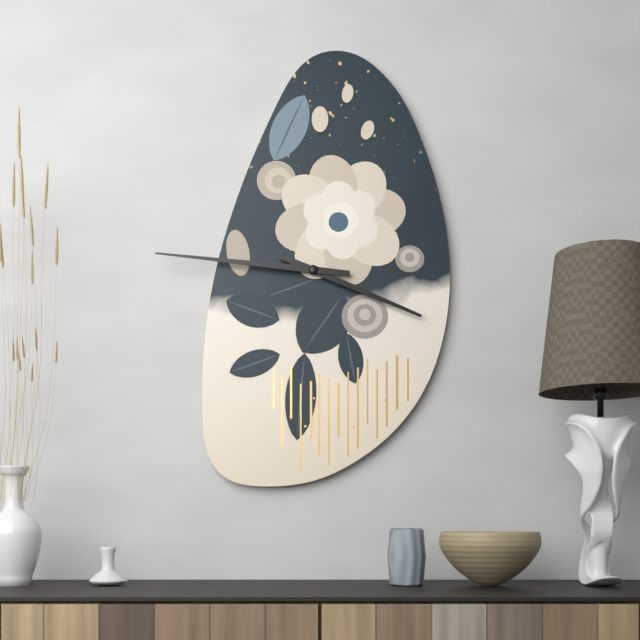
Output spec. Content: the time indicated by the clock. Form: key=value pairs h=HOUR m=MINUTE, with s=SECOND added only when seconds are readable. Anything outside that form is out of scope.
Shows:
h=3 m=46
